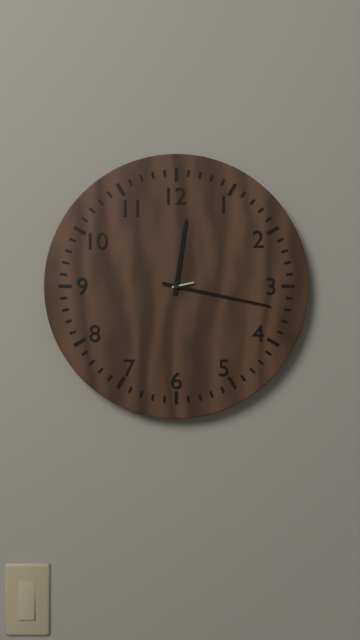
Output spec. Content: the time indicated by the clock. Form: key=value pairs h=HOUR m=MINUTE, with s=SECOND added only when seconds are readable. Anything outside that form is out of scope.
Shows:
h=12 m=17
